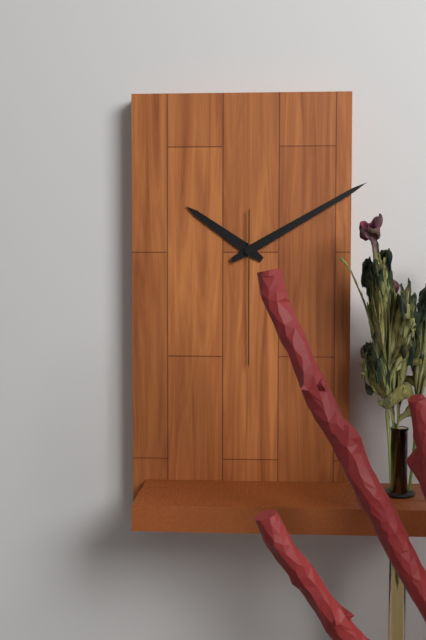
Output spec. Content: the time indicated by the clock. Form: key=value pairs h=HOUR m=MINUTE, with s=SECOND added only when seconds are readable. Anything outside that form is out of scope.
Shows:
h=10 m=10 s=30
